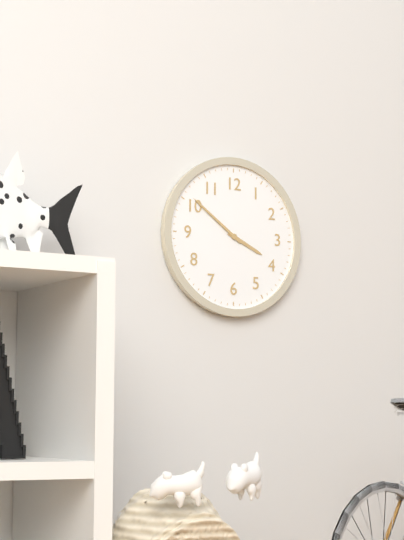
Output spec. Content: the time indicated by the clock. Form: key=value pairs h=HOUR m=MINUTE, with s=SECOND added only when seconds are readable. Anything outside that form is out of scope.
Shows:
h=3 m=51
